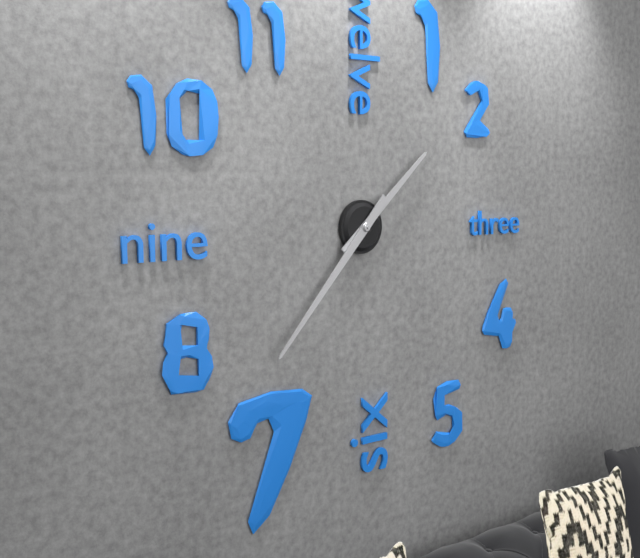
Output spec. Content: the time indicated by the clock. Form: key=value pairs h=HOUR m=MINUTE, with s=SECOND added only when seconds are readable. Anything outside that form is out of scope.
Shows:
h=1 m=37
